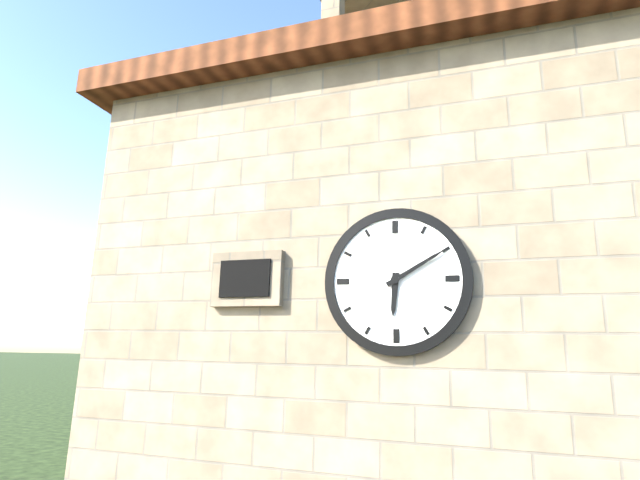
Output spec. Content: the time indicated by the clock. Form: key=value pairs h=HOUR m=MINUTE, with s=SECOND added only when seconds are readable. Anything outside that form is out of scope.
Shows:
h=6 m=10
